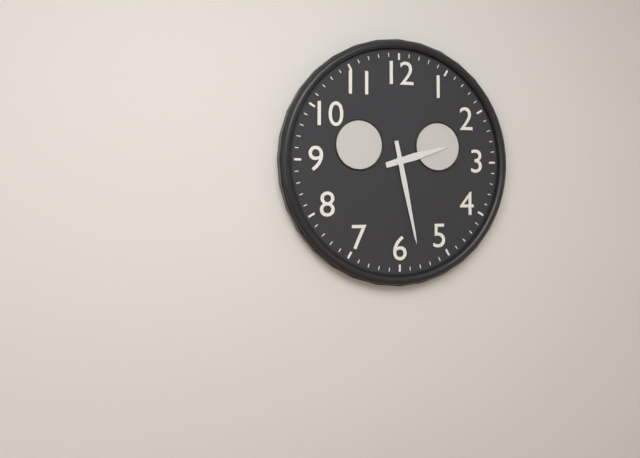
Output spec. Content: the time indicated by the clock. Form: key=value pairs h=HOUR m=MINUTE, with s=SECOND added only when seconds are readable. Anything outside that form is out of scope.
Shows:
h=2 m=28
